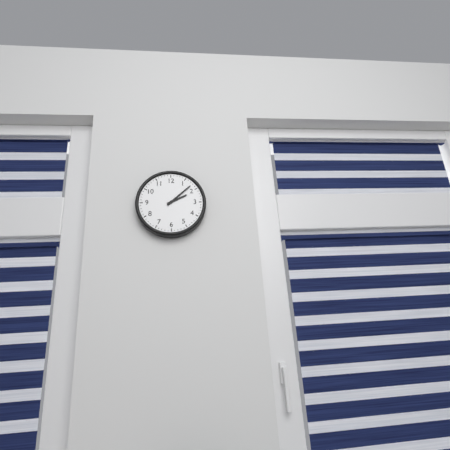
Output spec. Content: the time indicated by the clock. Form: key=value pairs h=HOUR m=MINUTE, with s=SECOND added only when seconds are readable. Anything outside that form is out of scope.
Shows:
h=2 m=8
